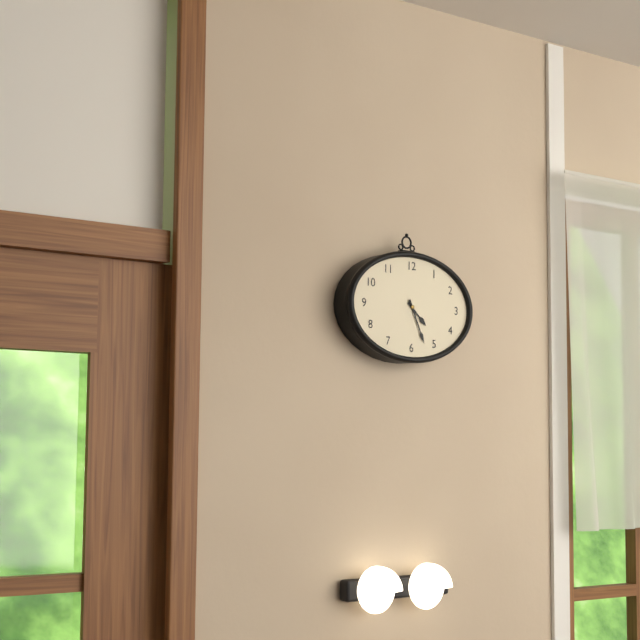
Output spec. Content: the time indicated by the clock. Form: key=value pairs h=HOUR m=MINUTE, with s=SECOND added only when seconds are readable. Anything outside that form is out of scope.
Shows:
h=4 m=26
